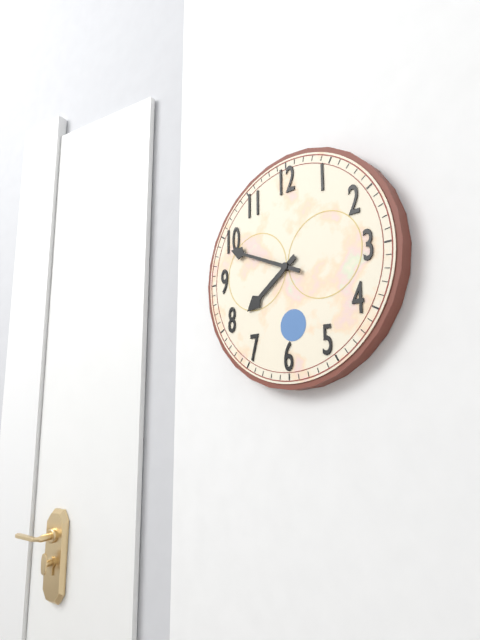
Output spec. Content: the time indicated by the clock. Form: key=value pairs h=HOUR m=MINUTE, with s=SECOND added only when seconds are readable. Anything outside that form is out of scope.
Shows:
h=7 m=49
